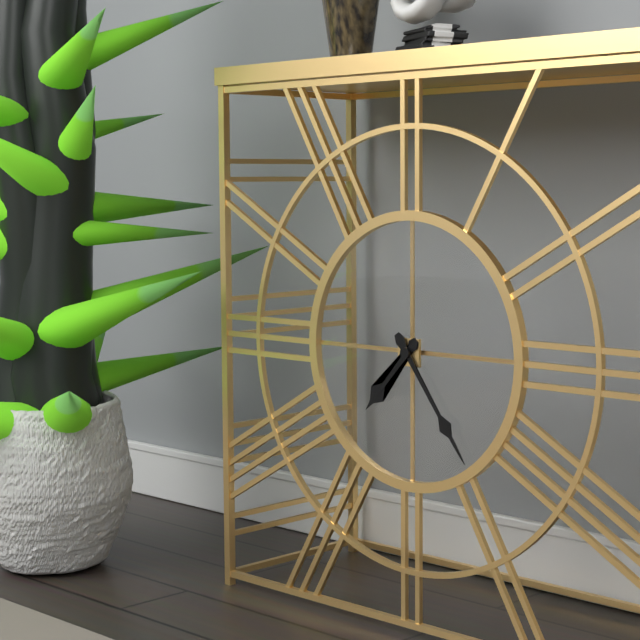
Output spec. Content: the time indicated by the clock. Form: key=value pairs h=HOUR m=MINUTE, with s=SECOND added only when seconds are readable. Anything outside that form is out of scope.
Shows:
h=7 m=24
